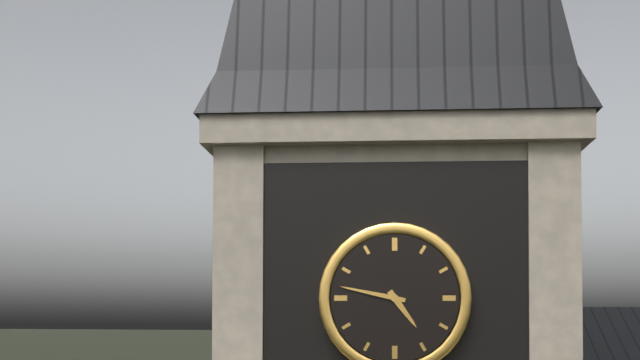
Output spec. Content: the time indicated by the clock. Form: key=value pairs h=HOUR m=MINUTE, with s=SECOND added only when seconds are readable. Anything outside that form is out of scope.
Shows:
h=4 m=47
